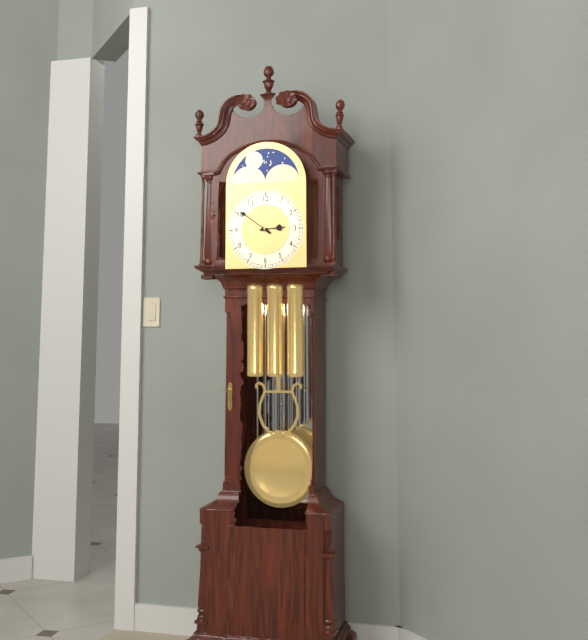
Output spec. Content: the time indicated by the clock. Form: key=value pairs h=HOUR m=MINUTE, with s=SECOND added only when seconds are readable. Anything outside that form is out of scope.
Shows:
h=2 m=51
